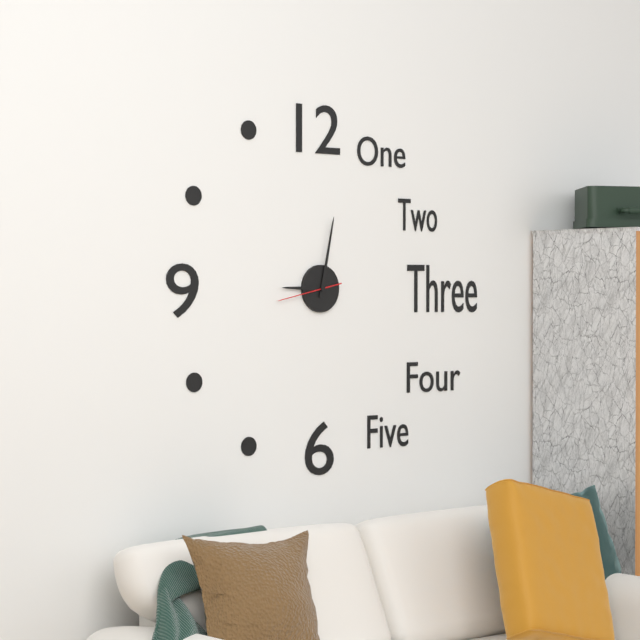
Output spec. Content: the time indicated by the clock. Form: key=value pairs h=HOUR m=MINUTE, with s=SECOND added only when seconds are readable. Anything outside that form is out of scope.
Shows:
h=9 m=2 s=43
